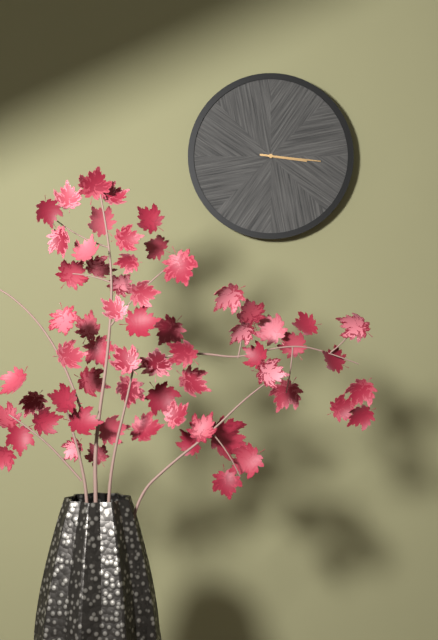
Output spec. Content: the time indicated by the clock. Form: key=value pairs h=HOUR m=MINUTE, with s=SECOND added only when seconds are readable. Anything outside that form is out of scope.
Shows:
h=3 m=16
